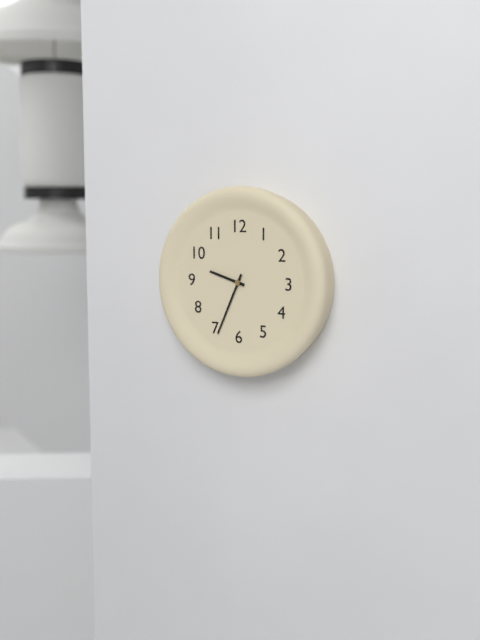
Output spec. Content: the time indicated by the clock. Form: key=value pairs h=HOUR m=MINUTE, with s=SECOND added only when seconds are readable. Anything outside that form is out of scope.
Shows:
h=9 m=34
